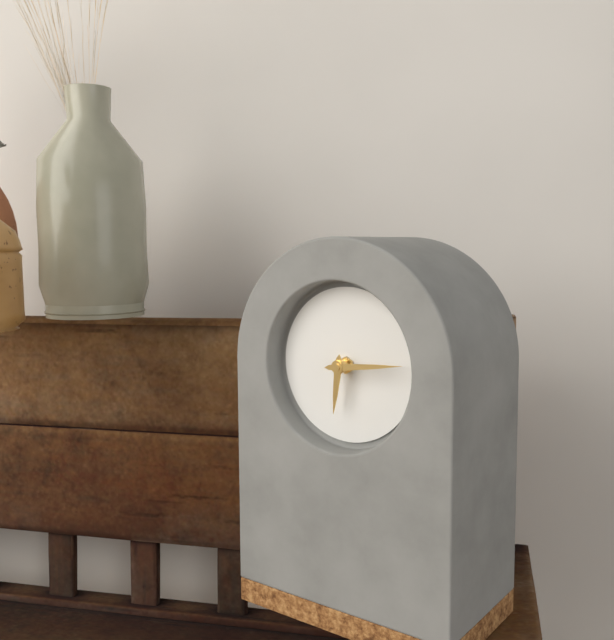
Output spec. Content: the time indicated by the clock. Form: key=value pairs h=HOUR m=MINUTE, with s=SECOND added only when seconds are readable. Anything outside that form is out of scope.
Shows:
h=6 m=14
